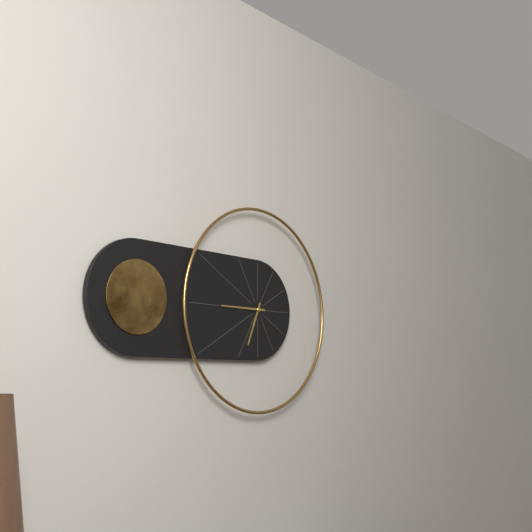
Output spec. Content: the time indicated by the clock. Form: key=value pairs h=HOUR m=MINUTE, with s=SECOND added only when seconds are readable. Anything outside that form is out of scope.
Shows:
h=6 m=45
